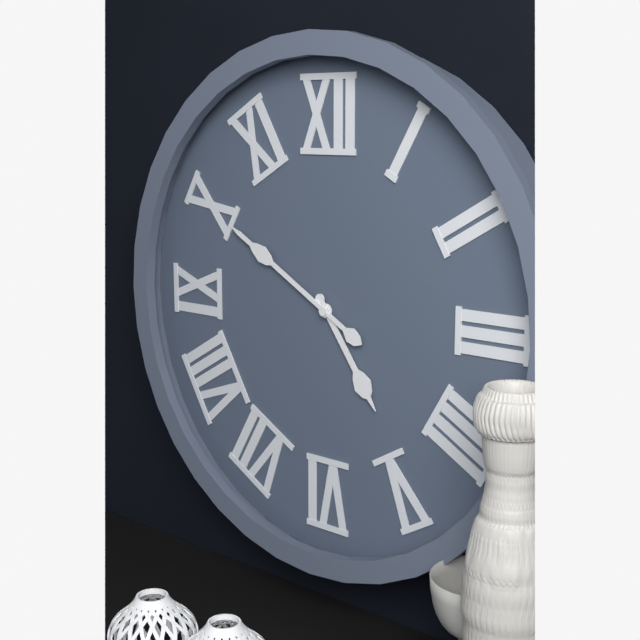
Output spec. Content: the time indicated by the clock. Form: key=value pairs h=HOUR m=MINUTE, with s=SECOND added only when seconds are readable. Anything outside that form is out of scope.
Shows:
h=4 m=50
